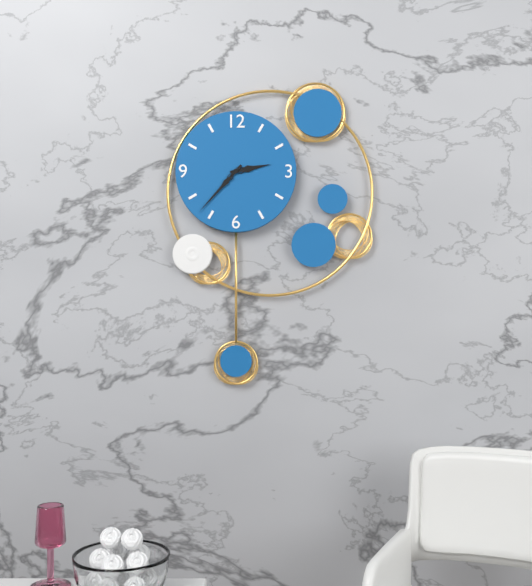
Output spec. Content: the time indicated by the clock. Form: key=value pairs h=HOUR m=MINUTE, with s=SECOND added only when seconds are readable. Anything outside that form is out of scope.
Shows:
h=2 m=37
